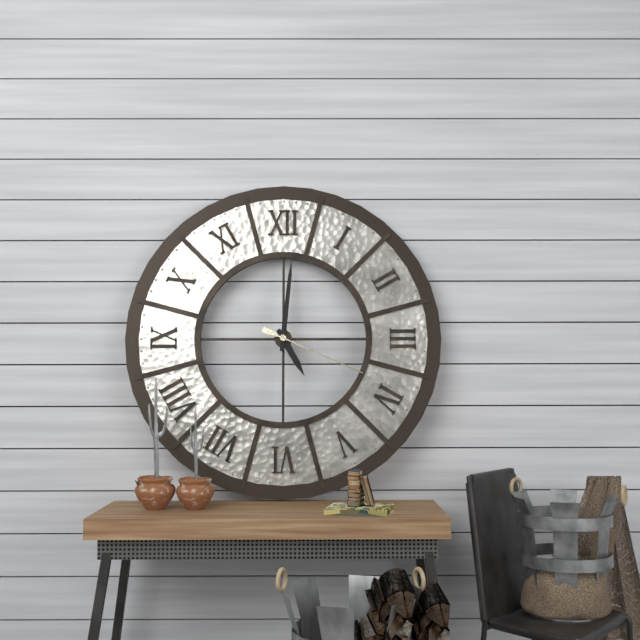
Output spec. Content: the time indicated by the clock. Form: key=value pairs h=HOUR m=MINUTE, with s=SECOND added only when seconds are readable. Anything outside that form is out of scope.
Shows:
h=5 m=1 s=19
